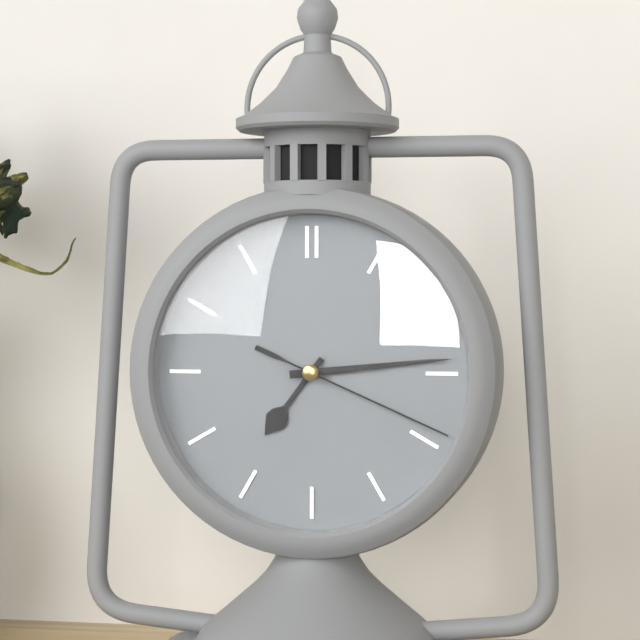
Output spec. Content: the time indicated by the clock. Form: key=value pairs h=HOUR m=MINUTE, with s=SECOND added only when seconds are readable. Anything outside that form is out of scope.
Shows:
h=7 m=14 s=19
